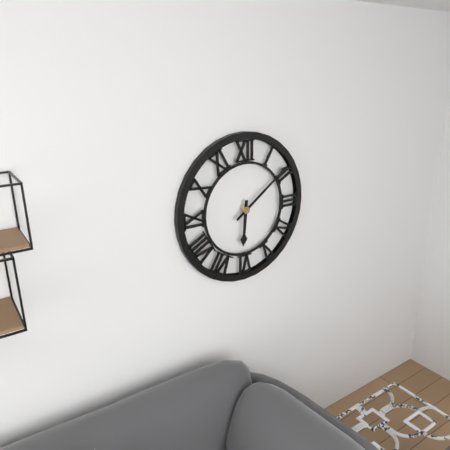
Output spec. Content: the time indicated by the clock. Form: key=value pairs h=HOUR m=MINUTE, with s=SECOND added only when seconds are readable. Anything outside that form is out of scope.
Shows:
h=6 m=9
